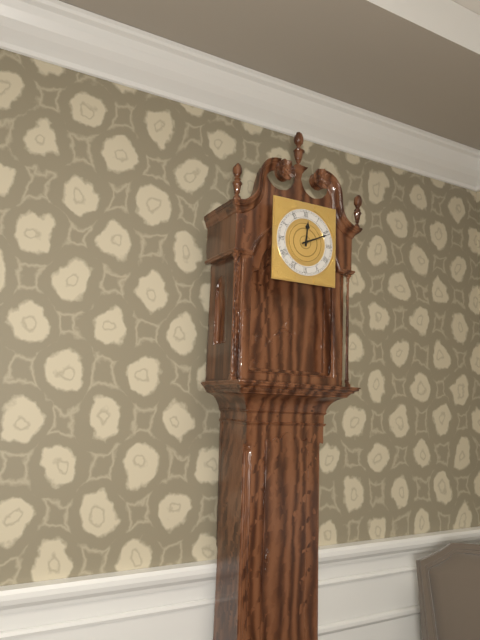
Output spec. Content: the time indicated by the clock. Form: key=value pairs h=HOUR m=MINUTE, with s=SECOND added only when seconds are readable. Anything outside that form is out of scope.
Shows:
h=12 m=11
